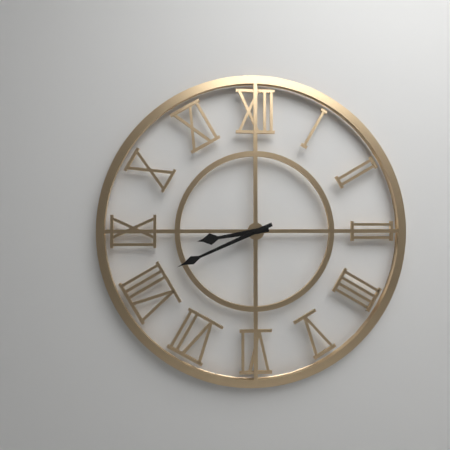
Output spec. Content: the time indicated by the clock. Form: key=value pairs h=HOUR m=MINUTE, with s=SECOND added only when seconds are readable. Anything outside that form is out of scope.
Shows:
h=8 m=41
